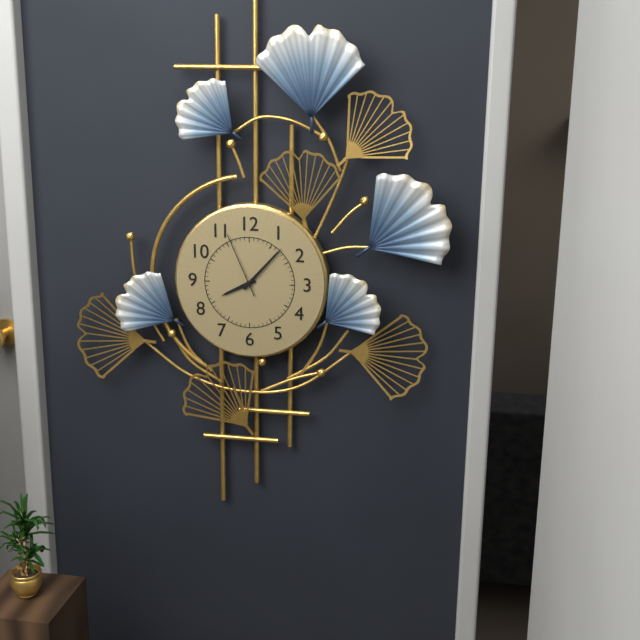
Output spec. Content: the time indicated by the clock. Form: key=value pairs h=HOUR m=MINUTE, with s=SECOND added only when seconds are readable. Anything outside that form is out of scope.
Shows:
h=8 m=7 s=56
